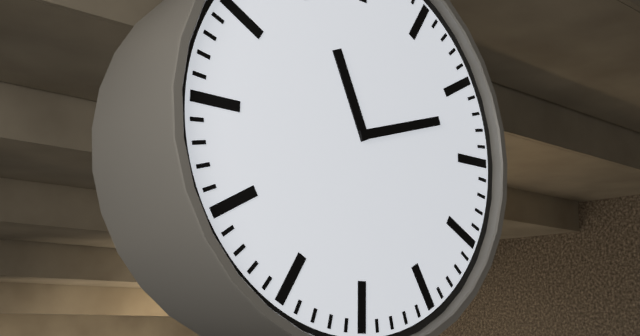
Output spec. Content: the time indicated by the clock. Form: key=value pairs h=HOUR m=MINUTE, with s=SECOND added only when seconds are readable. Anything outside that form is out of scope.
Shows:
h=11 m=12
